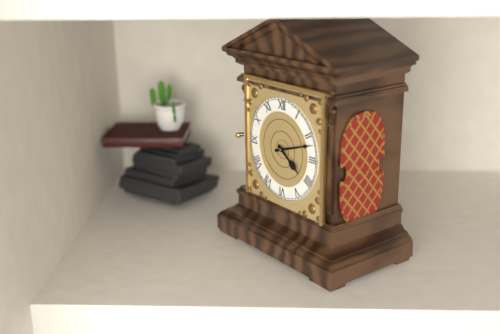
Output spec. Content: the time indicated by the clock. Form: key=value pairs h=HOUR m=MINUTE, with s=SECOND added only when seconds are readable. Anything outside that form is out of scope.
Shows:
h=4 m=12
